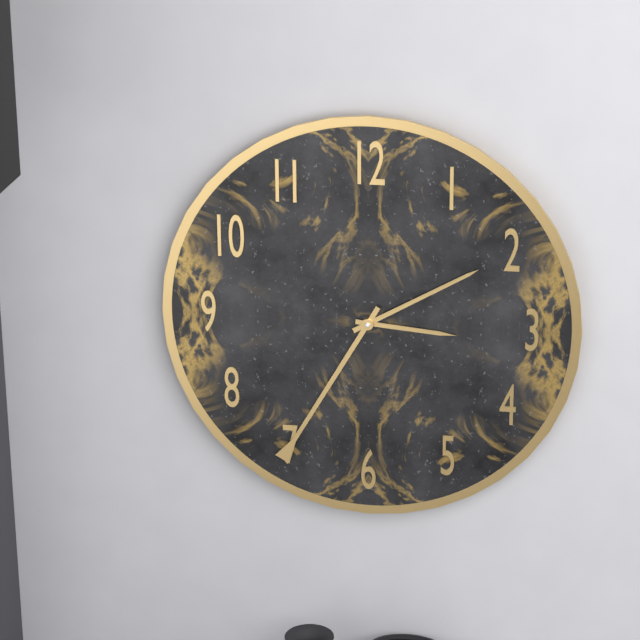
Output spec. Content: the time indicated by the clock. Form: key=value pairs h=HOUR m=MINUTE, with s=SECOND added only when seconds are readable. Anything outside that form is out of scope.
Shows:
h=3 m=10 s=35
